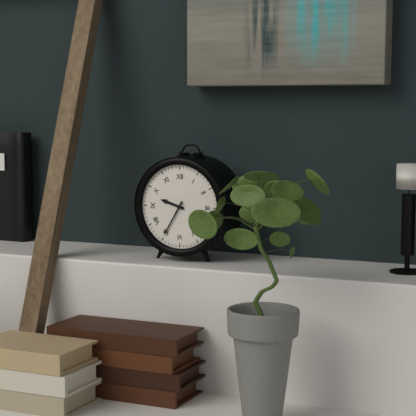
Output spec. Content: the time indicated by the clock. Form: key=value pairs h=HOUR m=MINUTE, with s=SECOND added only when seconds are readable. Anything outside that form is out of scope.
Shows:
h=9 m=35
